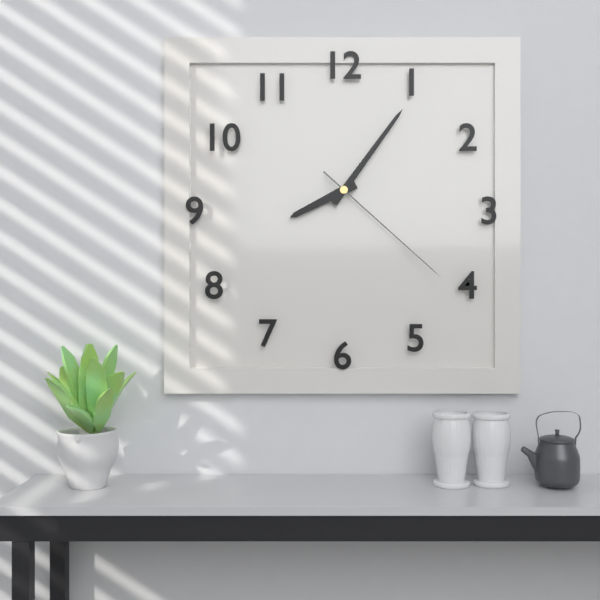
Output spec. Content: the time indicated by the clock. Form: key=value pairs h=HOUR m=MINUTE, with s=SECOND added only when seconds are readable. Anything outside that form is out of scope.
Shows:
h=8 m=6 s=22
